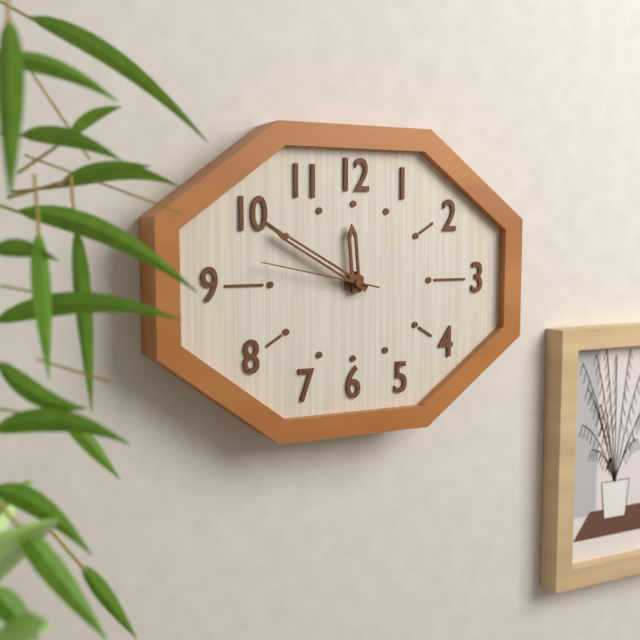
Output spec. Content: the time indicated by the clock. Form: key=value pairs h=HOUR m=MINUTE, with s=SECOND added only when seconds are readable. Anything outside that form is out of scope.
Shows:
h=11 m=50 s=47
